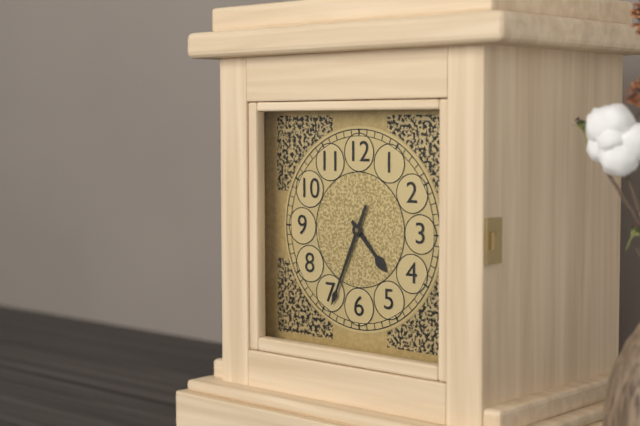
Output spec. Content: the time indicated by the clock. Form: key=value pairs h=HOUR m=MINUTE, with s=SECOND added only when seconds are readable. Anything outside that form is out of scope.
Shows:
h=4 m=34
